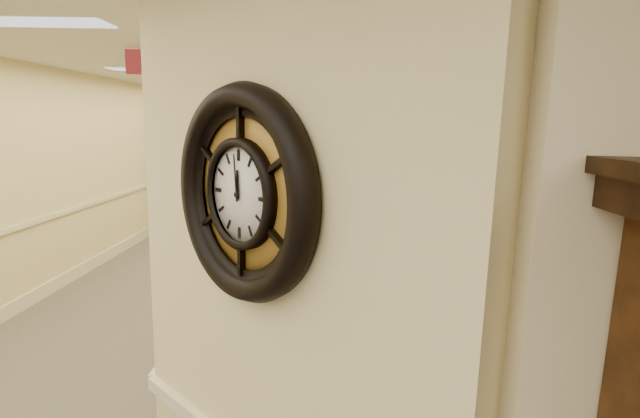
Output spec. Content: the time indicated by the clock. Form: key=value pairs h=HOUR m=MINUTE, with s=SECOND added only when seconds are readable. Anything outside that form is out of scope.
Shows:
h=11 m=59
